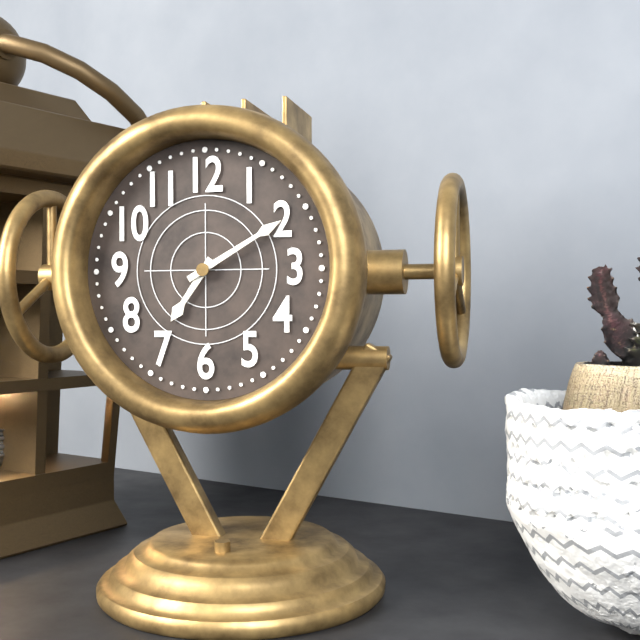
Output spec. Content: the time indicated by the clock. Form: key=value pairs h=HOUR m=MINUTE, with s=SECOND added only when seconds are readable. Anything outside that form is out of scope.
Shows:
h=7 m=10
